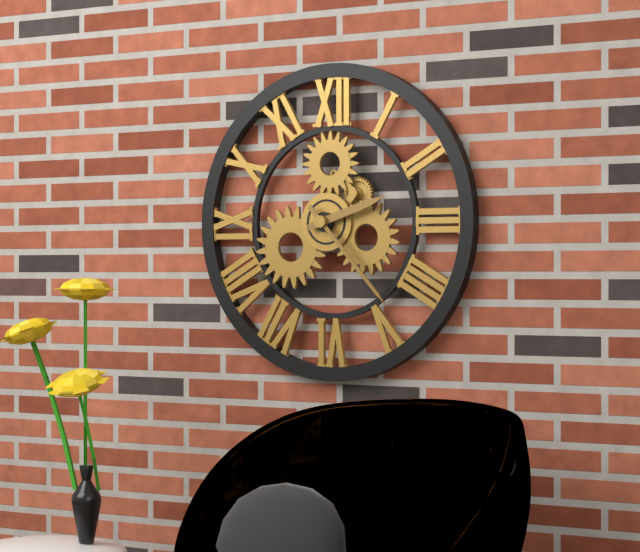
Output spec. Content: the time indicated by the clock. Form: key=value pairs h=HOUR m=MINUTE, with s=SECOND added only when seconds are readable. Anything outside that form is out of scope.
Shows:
h=2 m=23
